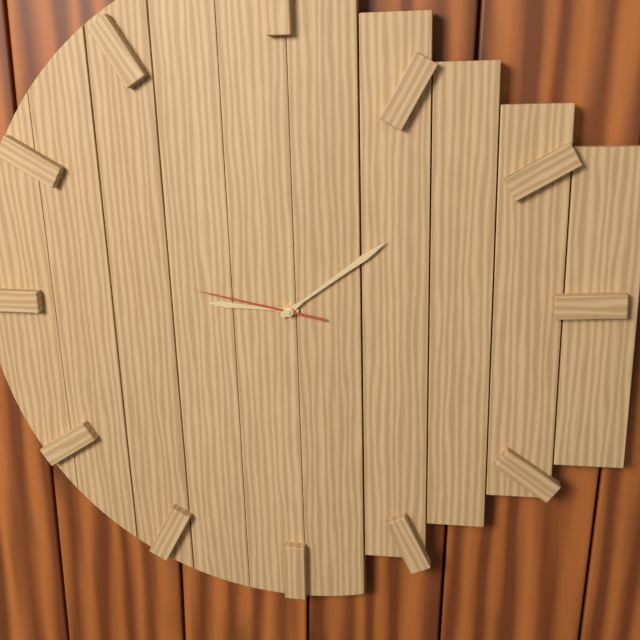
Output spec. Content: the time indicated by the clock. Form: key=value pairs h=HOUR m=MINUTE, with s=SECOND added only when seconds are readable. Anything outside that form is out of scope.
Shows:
h=9 m=9 s=47
